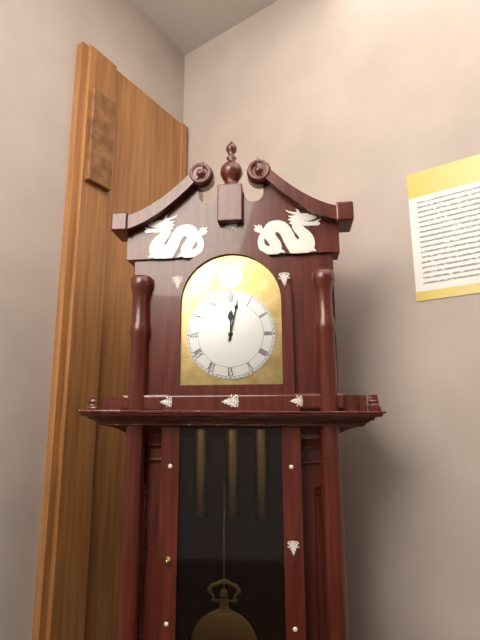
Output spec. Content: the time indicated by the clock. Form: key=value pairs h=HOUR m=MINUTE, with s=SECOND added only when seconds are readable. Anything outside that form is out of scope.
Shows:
h=12 m=2
